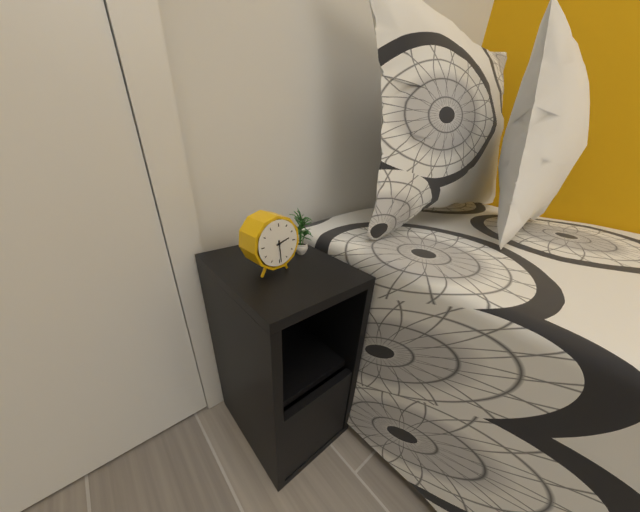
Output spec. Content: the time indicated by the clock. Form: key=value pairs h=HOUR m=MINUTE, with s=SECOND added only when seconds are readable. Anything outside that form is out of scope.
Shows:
h=2 m=29
